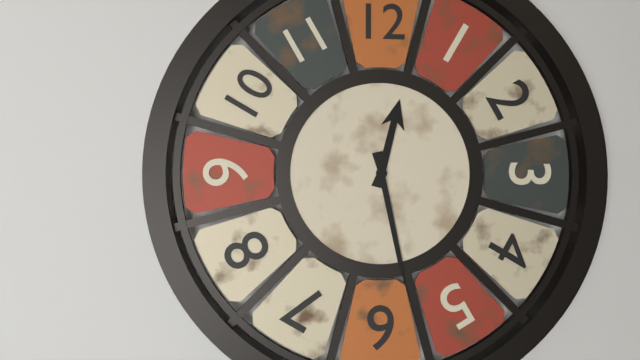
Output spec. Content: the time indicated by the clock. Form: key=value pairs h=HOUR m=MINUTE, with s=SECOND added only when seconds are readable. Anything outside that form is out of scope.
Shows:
h=12 m=28
